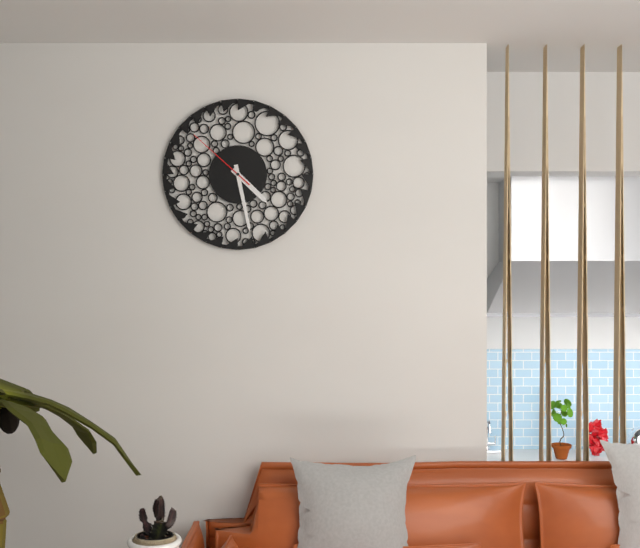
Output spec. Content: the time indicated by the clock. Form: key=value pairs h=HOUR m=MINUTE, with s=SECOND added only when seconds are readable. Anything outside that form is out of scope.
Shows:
h=4 m=28 s=52
